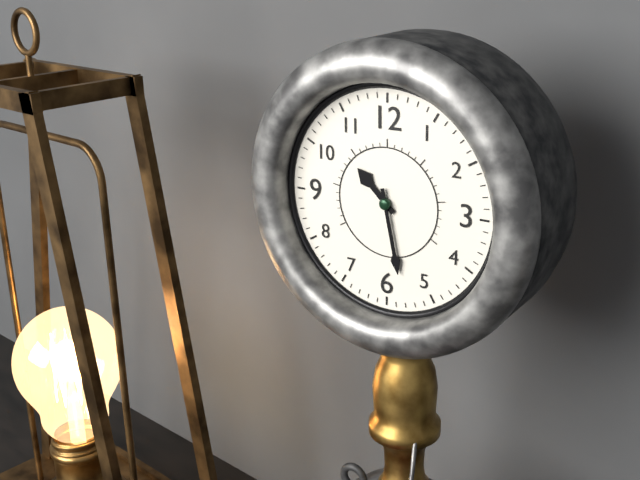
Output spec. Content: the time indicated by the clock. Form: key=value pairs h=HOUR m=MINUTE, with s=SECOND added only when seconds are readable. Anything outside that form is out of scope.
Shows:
h=10 m=28
